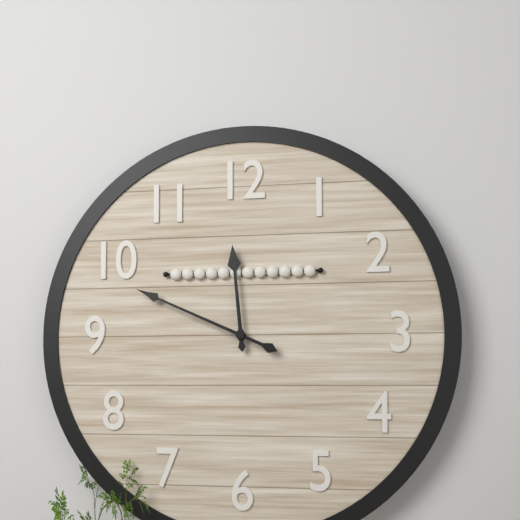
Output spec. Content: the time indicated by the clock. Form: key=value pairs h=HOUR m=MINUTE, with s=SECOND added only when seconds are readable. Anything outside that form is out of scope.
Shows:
h=11 m=49
